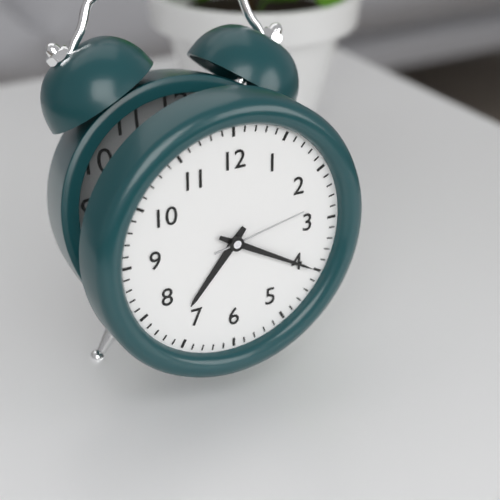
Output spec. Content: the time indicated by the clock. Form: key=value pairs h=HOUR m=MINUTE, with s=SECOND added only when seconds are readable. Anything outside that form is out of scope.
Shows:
h=7 m=20 s=13
